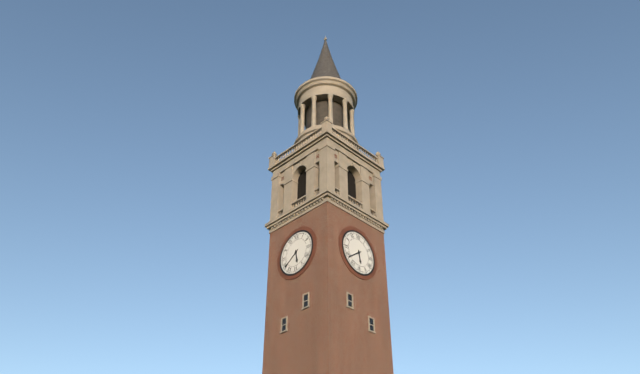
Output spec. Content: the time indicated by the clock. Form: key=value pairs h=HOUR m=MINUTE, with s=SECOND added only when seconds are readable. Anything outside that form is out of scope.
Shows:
h=5 m=39
